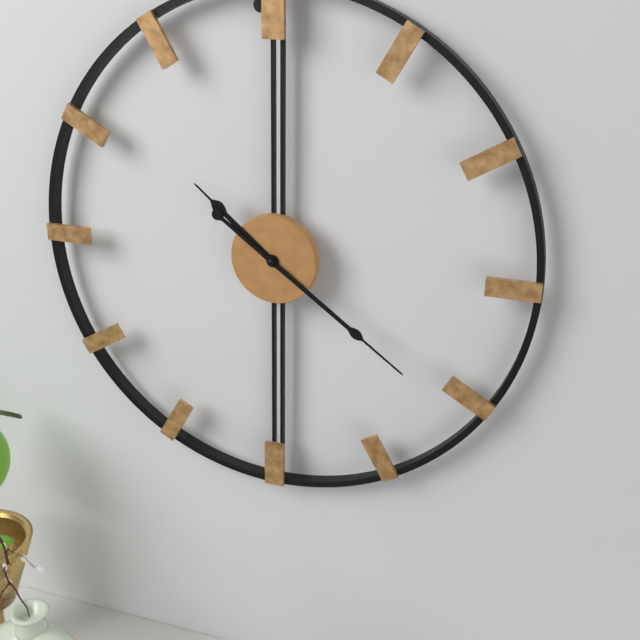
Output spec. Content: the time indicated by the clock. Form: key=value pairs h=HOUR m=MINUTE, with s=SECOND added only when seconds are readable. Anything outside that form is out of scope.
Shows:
h=10 m=21
